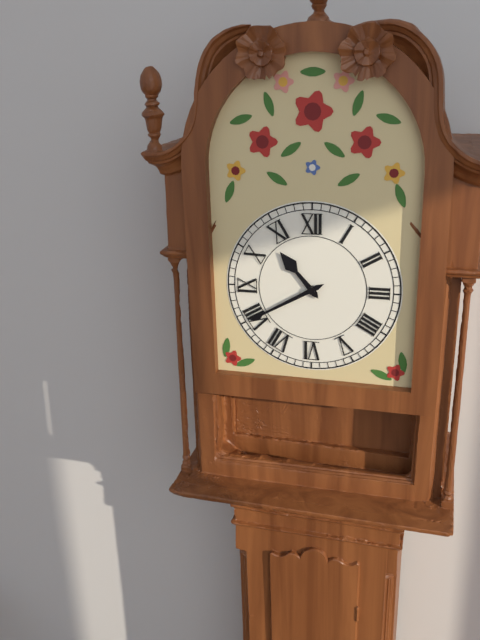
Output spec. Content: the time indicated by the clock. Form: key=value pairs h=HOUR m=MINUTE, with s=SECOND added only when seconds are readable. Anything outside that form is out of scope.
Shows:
h=10 m=40
